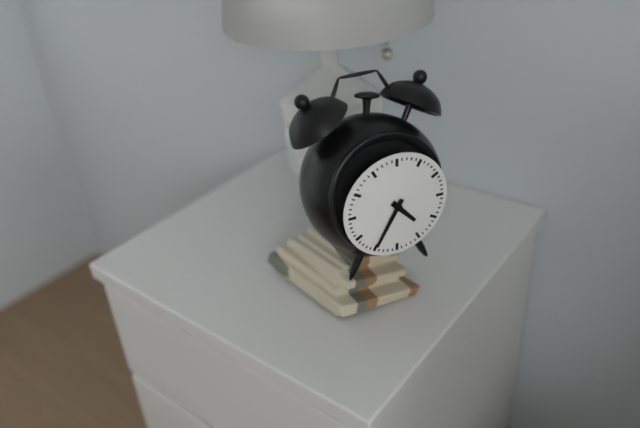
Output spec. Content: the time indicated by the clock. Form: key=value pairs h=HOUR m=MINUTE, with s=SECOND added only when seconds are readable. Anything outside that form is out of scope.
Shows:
h=4 m=35
